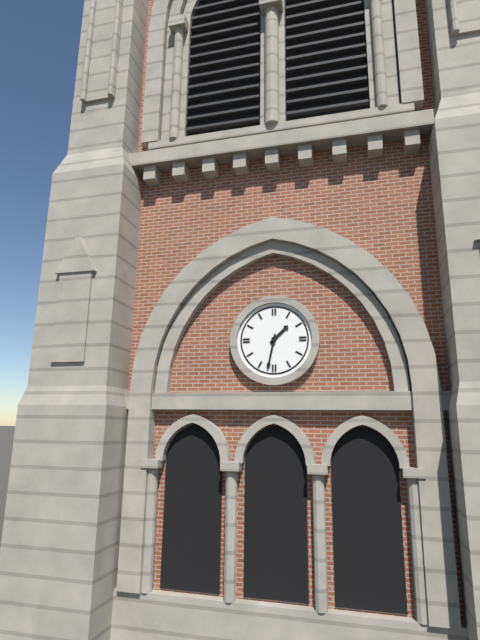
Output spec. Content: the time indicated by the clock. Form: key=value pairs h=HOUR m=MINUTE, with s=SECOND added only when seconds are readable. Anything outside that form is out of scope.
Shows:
h=1 m=32
